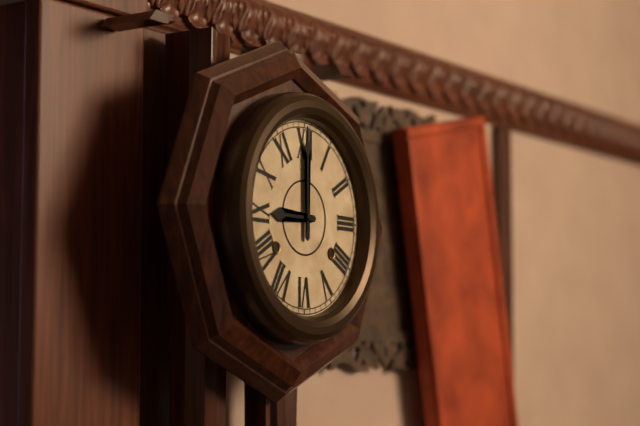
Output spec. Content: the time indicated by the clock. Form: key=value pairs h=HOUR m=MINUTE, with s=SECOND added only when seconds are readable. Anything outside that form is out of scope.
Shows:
h=9 m=0
